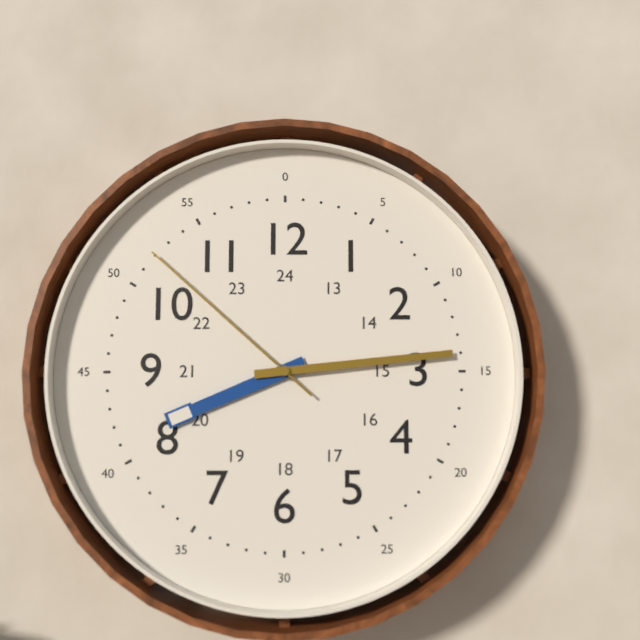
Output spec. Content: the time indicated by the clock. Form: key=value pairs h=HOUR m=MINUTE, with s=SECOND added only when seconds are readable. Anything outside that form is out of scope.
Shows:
h=8 m=14 s=52
